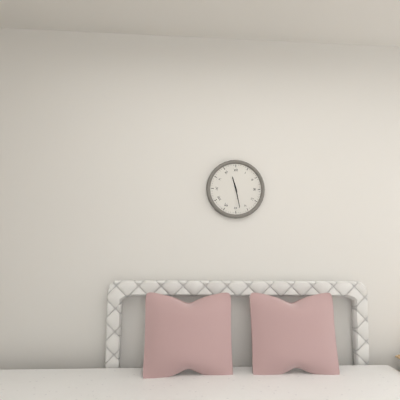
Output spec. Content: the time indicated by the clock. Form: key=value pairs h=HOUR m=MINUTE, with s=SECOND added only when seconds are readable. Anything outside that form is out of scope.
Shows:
h=11 m=28
